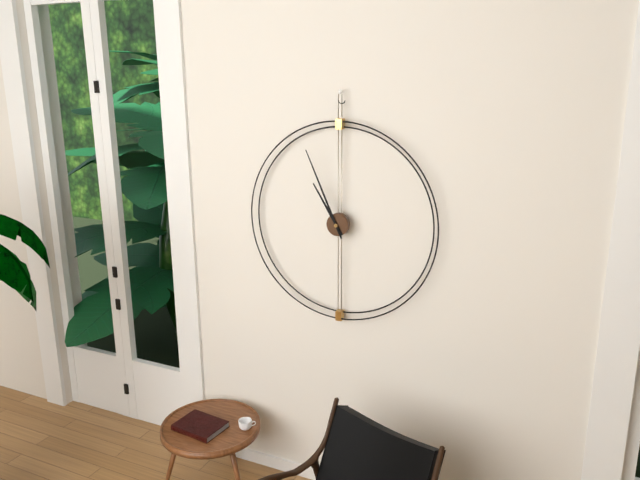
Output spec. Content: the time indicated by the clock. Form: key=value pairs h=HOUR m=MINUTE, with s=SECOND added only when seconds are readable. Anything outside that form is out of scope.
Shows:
h=10 m=56
